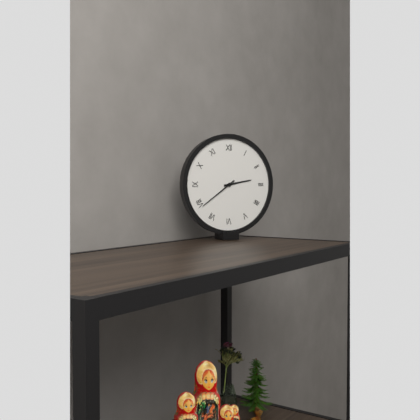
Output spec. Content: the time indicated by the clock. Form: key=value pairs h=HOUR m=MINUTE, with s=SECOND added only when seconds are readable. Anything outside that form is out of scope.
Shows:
h=2 m=39
